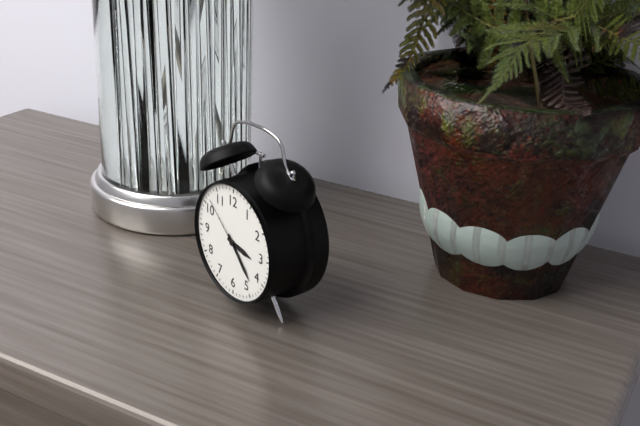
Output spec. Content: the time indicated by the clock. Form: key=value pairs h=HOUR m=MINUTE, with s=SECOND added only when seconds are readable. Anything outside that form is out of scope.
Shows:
h=3 m=23 s=52
